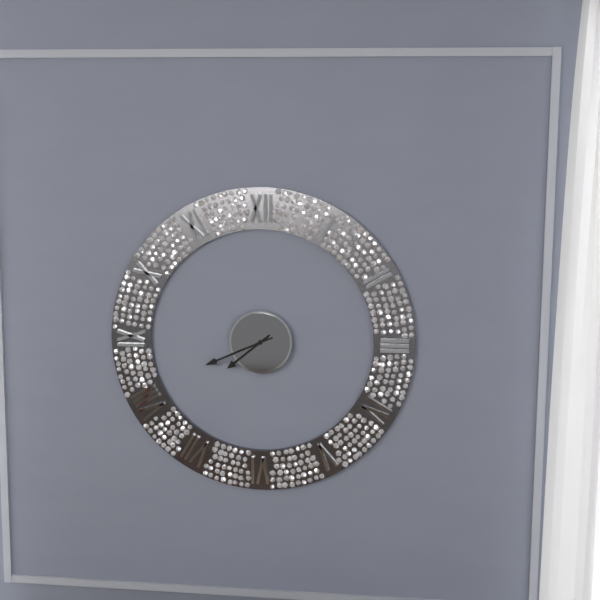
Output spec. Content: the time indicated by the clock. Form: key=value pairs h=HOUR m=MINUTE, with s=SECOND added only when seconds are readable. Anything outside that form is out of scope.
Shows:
h=7 m=41
